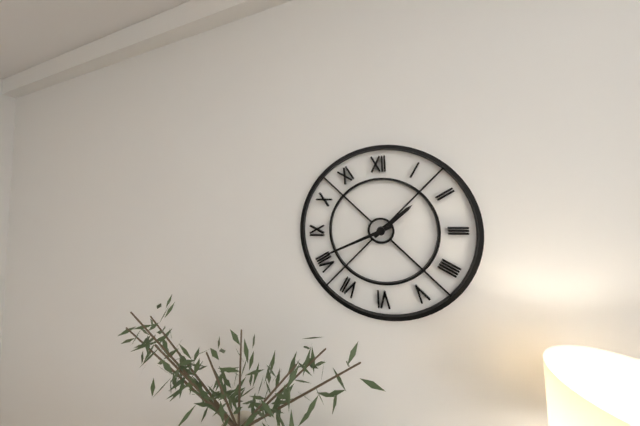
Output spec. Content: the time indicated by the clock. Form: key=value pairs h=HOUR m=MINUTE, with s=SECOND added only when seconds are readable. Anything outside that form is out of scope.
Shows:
h=1 m=41
